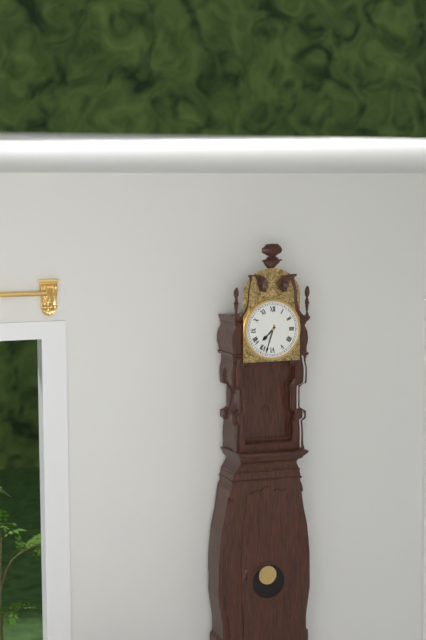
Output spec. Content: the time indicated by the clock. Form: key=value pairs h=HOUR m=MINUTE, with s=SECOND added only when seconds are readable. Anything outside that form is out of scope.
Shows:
h=7 m=33
